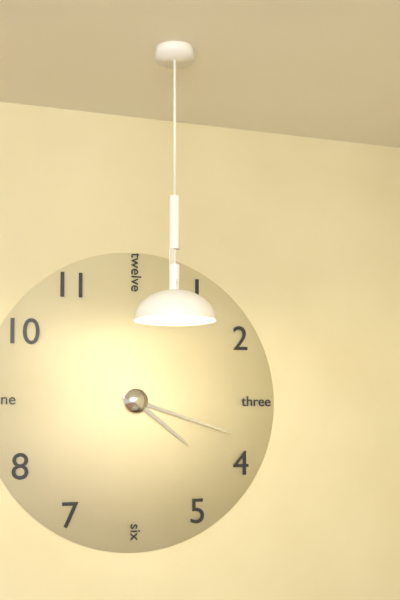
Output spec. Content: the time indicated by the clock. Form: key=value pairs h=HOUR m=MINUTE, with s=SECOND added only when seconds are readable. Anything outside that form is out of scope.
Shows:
h=4 m=18
